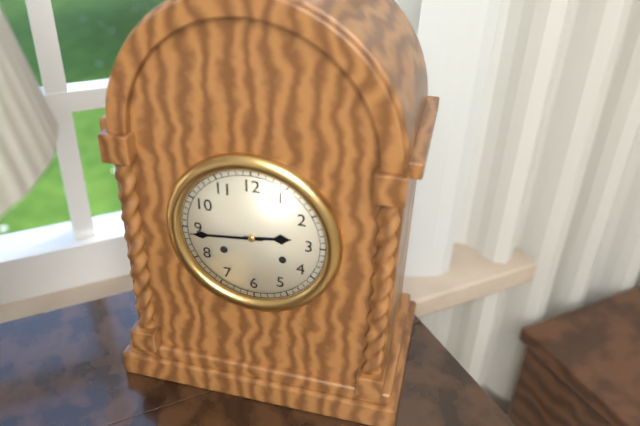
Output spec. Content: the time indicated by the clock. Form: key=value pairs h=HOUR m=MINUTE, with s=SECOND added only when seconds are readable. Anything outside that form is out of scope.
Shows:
h=2 m=44
